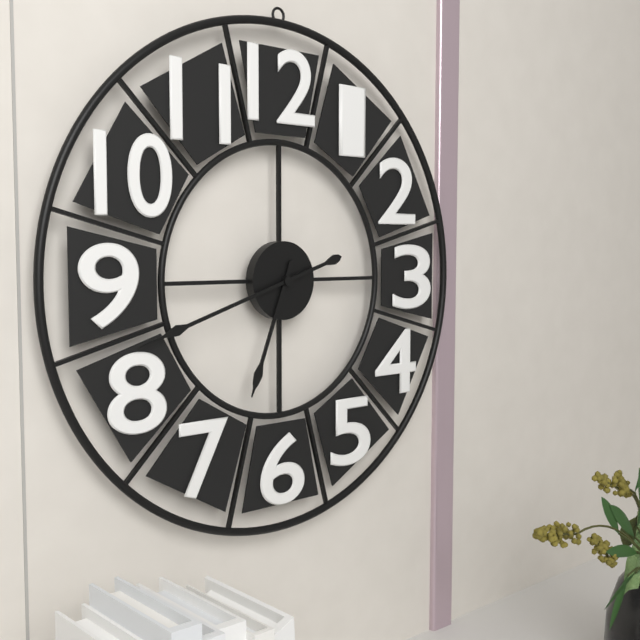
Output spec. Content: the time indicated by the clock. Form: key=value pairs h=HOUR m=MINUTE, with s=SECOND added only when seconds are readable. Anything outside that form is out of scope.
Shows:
h=6 m=42
